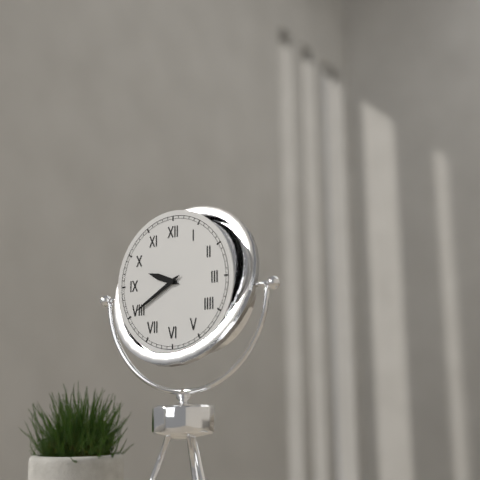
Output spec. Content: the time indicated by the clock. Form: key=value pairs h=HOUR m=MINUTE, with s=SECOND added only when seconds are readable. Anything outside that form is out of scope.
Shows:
h=9 m=40
